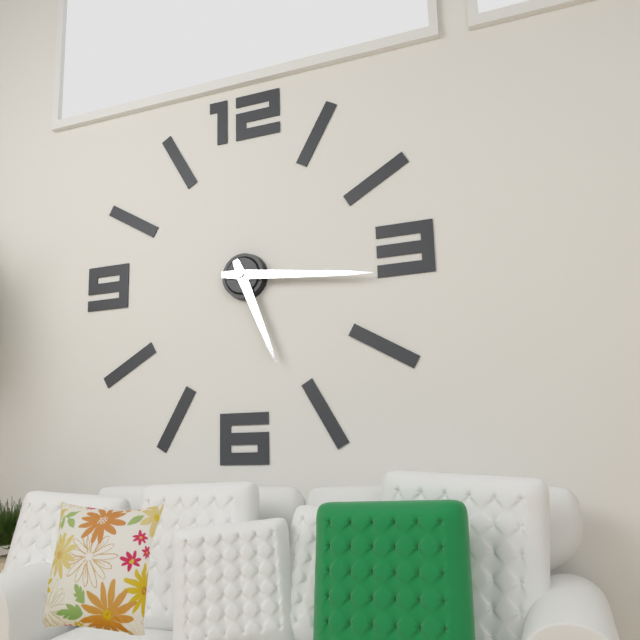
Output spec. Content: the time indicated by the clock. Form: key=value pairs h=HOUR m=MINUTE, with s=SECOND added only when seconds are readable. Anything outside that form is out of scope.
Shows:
h=5 m=16
